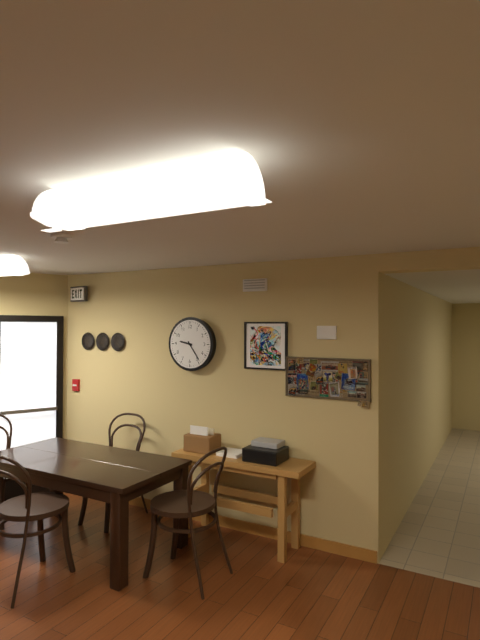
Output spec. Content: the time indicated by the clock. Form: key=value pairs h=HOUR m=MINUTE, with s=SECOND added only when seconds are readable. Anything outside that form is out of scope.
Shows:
h=9 m=24
